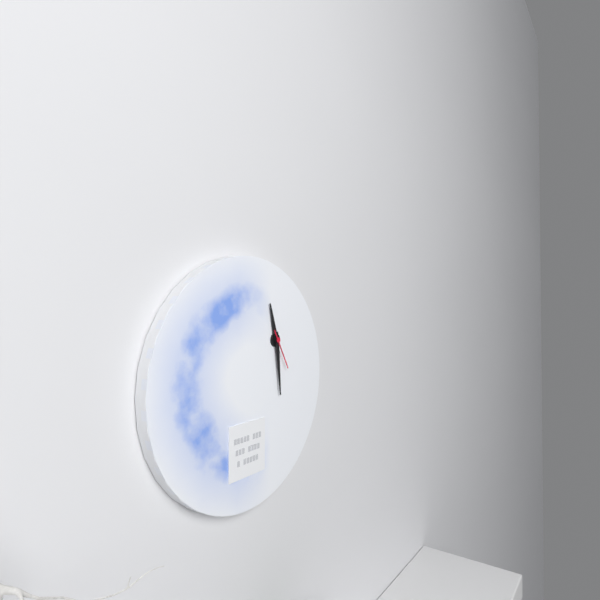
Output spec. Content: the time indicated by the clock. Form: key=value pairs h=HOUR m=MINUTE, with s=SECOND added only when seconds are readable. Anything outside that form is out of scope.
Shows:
h=11 m=29
